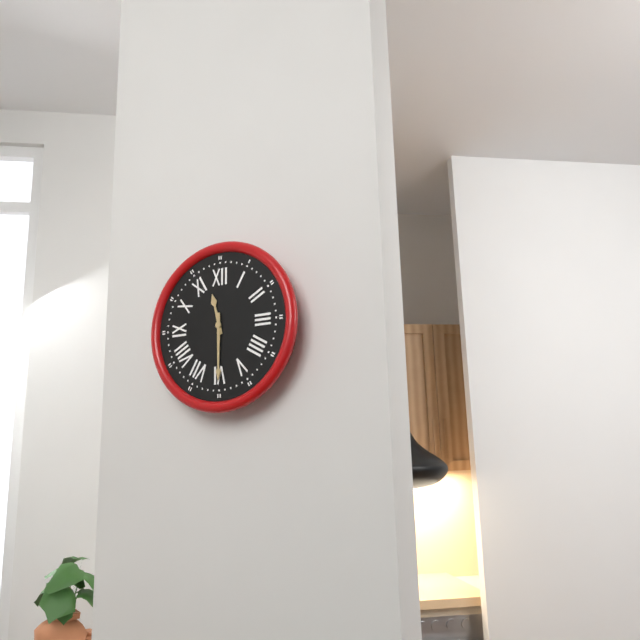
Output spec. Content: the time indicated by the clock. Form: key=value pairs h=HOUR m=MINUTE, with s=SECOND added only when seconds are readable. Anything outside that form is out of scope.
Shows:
h=11 m=30
